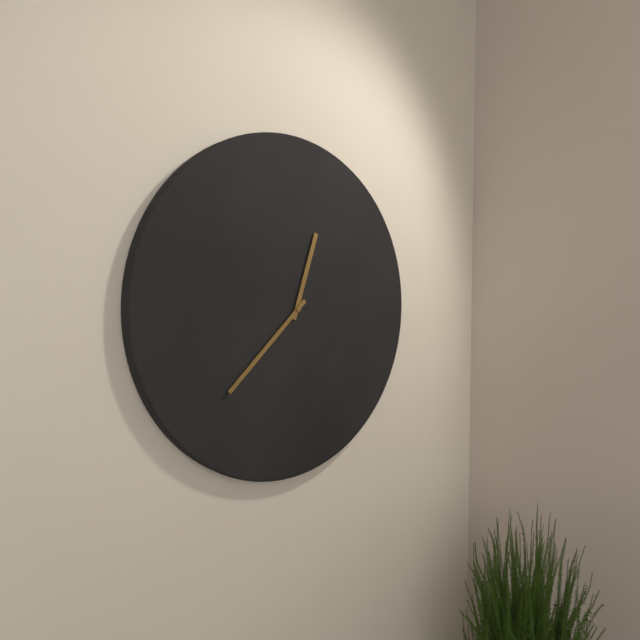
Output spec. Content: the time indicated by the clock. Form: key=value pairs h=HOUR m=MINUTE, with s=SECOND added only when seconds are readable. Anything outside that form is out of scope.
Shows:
h=12 m=38
